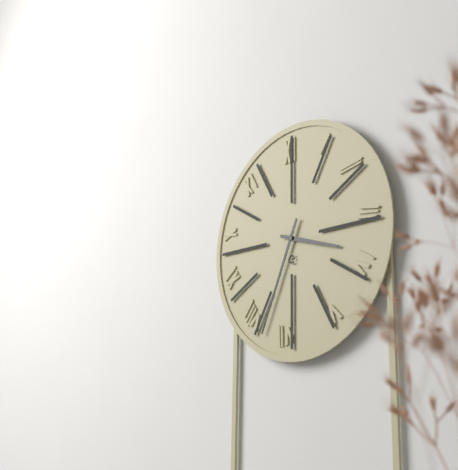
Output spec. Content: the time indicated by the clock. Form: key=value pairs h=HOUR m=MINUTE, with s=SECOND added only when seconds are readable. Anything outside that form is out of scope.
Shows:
h=3 m=34
